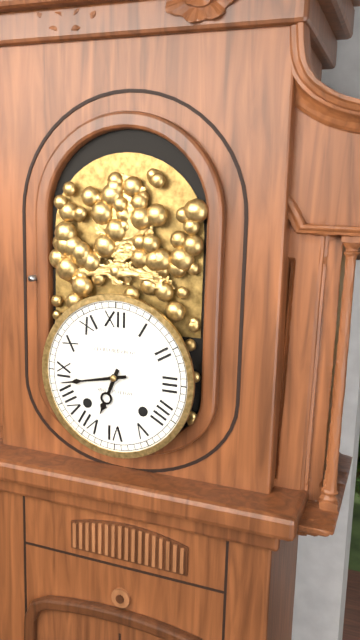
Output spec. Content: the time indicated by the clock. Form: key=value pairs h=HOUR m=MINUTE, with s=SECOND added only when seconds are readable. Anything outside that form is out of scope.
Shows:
h=6 m=43
